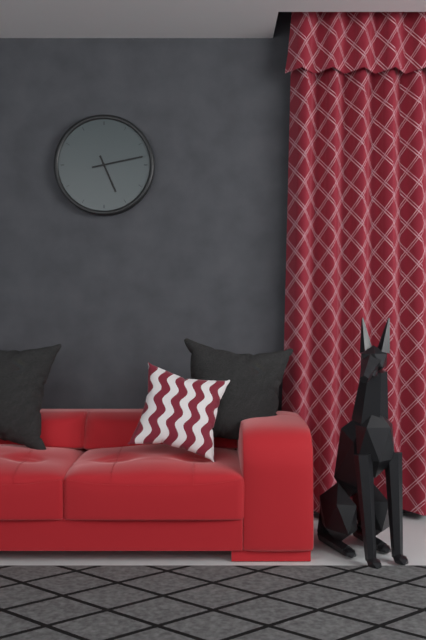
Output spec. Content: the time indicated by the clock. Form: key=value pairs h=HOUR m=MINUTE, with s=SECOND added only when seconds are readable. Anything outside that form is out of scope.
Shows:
h=5 m=13
